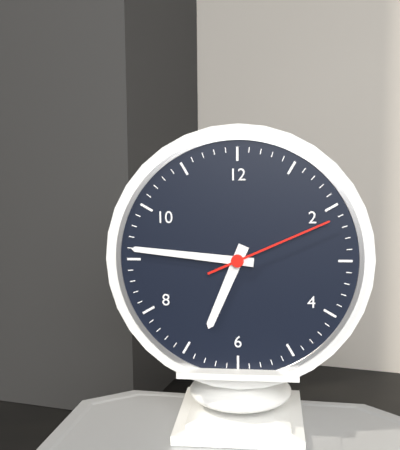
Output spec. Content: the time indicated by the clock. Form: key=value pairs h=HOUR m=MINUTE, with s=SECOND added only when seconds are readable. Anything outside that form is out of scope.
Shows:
h=6 m=46 s=11
